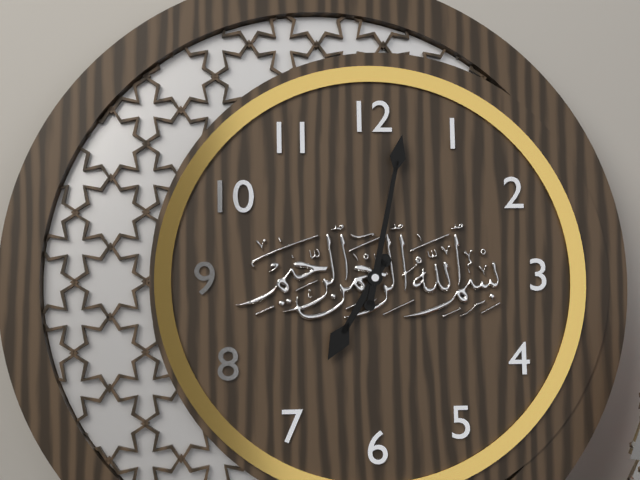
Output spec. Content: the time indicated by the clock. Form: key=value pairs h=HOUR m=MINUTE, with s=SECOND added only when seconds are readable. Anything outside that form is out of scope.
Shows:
h=7 m=2
